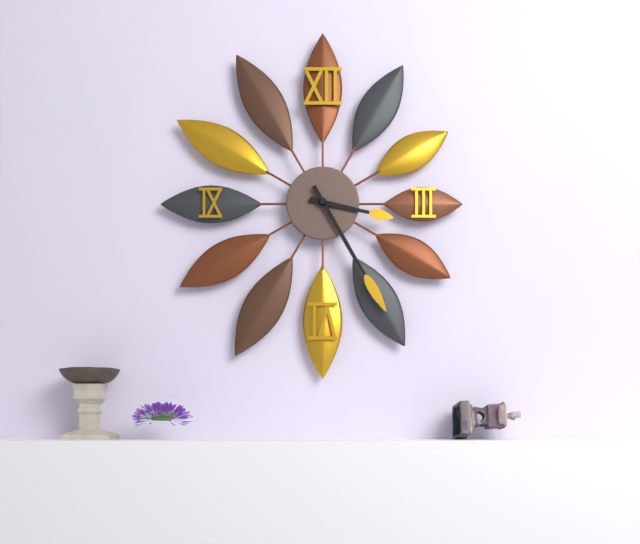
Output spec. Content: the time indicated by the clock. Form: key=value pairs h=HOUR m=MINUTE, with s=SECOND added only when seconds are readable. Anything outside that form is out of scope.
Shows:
h=3 m=25
